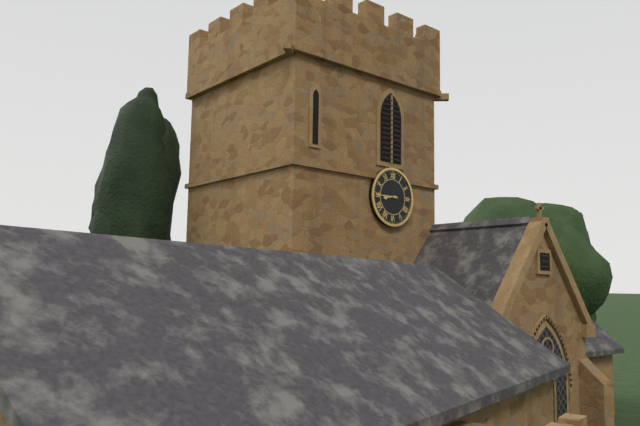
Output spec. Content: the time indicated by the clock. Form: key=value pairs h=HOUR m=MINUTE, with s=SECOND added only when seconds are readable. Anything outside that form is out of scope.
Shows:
h=8 m=45
